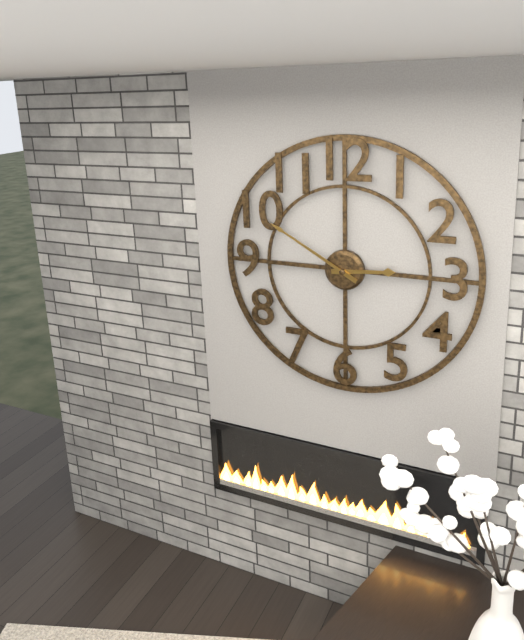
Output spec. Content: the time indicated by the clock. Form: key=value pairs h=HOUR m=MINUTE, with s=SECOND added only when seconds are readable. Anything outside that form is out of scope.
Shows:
h=2 m=50
